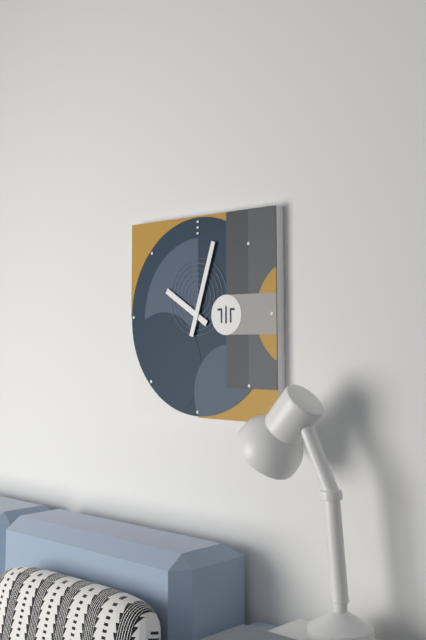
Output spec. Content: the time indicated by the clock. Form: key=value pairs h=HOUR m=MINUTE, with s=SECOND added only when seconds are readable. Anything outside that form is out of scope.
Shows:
h=10 m=3
